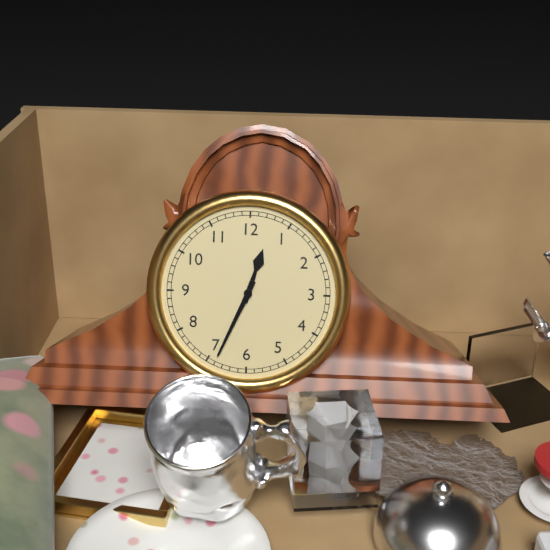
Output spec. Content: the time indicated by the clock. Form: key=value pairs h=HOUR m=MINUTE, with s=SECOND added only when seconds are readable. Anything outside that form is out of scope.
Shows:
h=12 m=34
